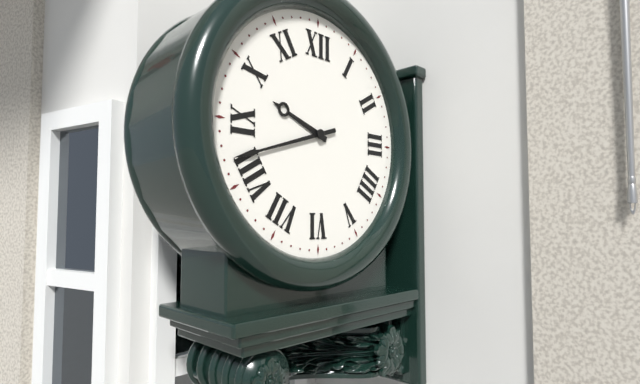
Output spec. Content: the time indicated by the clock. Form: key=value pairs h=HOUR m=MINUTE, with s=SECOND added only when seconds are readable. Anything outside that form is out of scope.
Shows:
h=9 m=42
